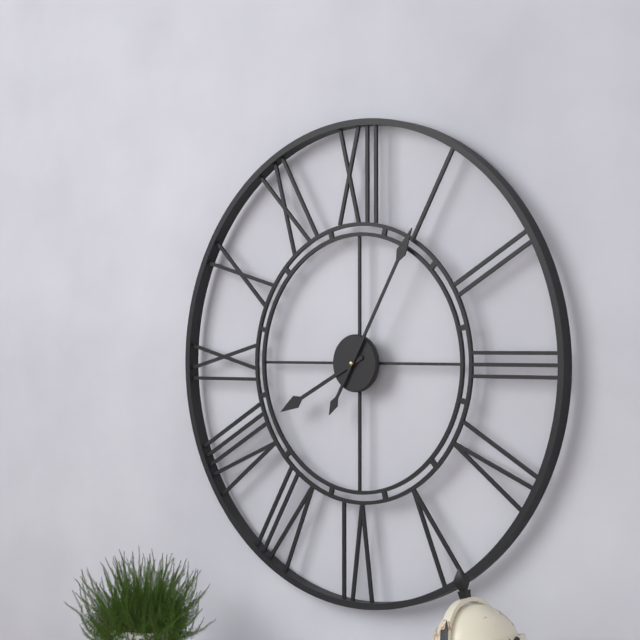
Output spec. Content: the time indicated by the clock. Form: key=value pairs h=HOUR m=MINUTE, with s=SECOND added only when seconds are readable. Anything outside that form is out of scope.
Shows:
h=8 m=5
